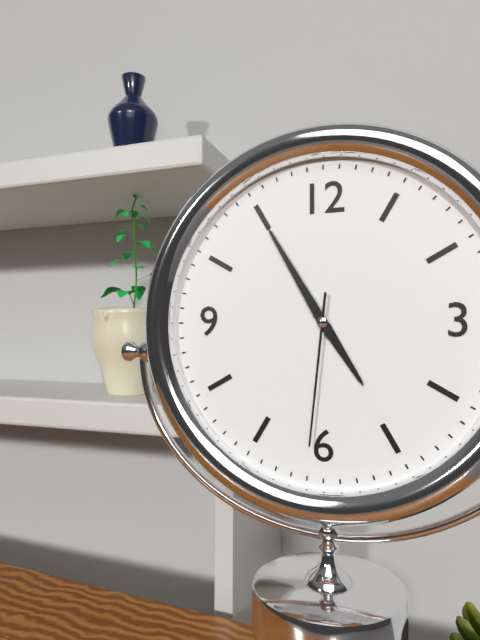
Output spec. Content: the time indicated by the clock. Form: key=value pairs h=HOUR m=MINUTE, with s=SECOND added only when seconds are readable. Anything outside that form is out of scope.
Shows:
h=4 m=55 s=31
